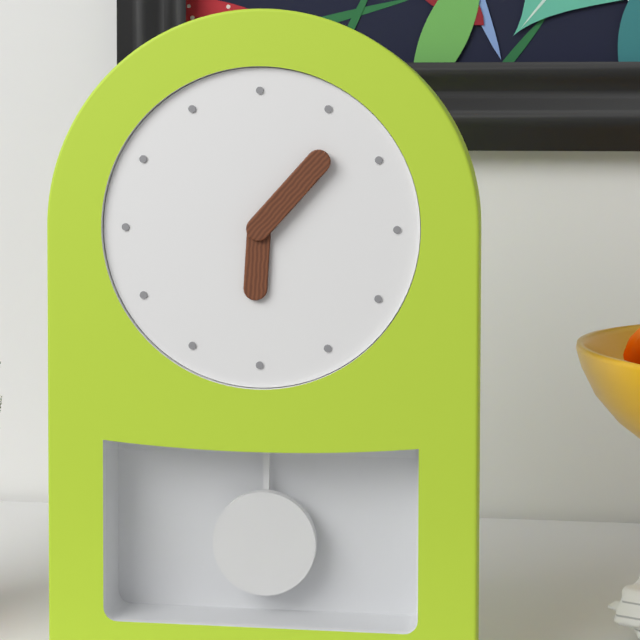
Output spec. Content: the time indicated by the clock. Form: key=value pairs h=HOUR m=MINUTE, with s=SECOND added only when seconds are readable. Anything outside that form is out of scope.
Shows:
h=6 m=7
